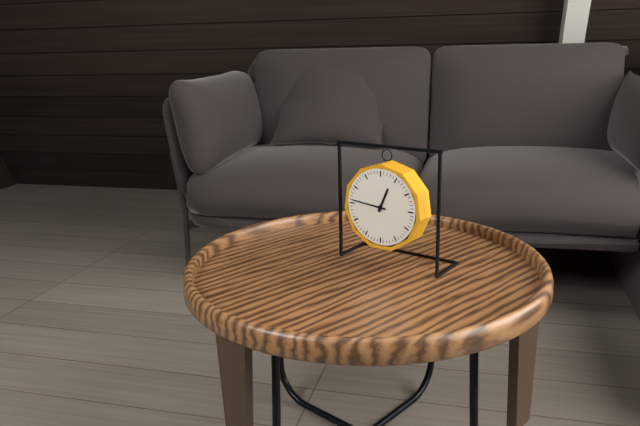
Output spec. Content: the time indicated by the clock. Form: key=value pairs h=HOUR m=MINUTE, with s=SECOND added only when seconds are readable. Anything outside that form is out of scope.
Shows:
h=12 m=46
